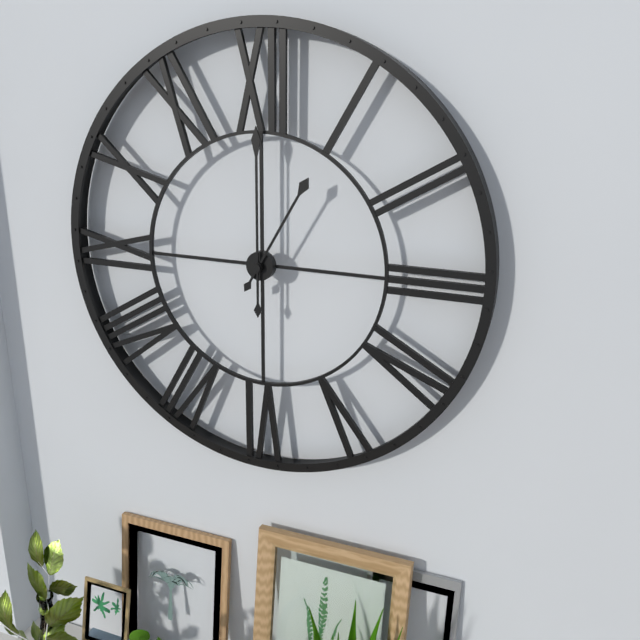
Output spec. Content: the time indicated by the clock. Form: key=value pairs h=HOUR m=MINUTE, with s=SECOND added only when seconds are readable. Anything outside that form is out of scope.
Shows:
h=1 m=0
